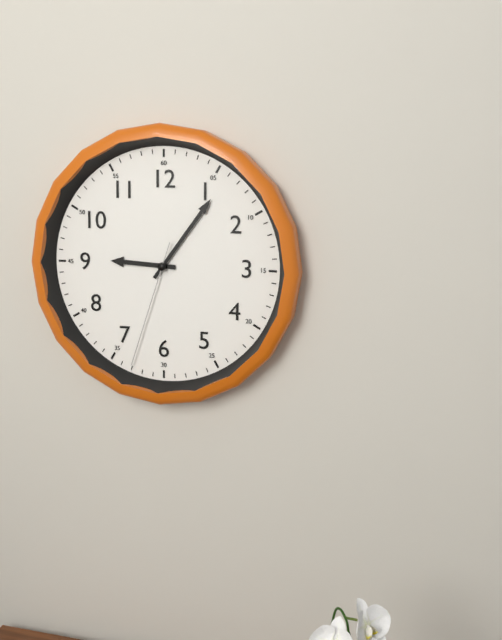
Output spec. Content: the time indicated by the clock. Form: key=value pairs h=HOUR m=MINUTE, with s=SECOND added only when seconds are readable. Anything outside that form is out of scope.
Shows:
h=9 m=6 s=33
